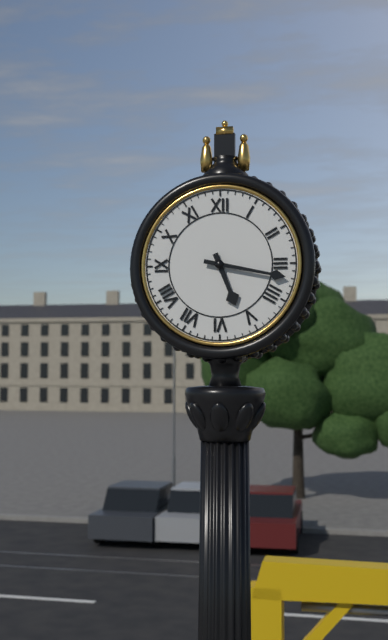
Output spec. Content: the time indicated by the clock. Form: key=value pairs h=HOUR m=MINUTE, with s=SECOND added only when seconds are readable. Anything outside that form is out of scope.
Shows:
h=5 m=17
